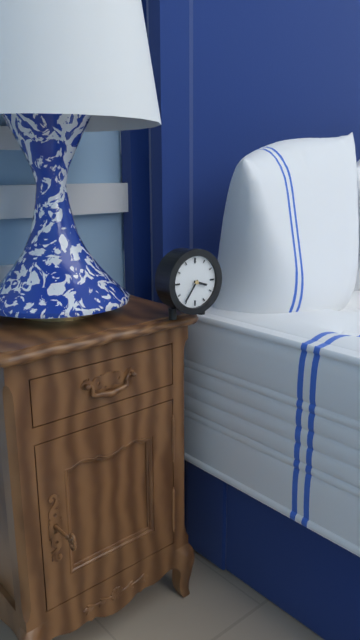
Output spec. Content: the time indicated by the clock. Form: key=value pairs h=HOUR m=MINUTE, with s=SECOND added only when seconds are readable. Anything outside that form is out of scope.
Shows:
h=3 m=36
